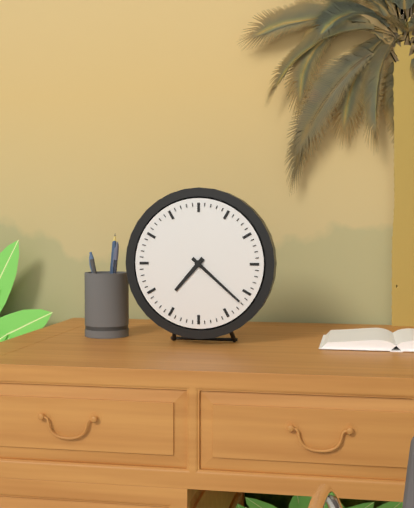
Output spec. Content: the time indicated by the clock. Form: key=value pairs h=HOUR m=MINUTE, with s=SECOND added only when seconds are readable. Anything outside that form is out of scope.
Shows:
h=7 m=22
